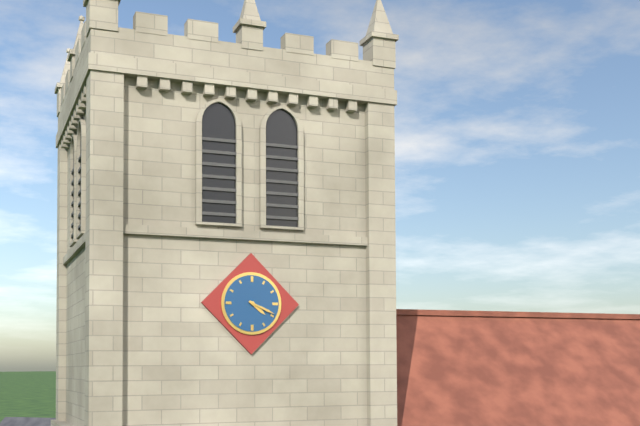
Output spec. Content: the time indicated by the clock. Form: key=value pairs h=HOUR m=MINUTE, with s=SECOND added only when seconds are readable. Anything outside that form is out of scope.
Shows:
h=4 m=19
